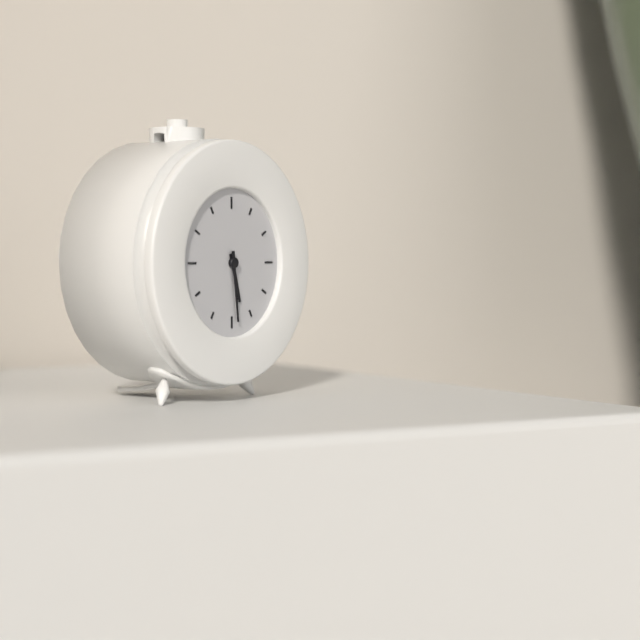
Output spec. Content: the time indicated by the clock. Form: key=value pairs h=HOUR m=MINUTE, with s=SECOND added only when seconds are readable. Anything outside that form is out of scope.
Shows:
h=5 m=29
